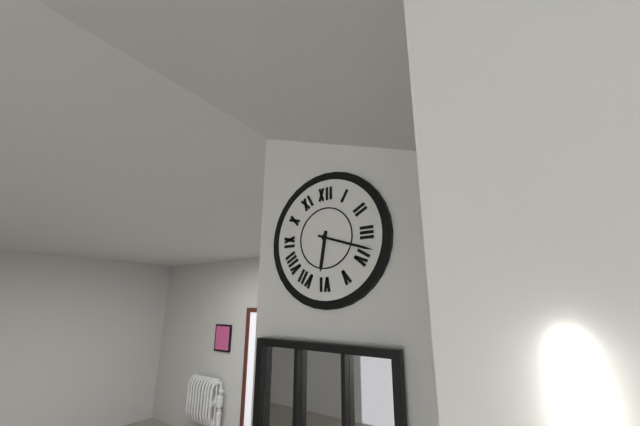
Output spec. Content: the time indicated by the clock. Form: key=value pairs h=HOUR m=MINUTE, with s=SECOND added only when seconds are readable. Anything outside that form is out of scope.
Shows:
h=6 m=18
